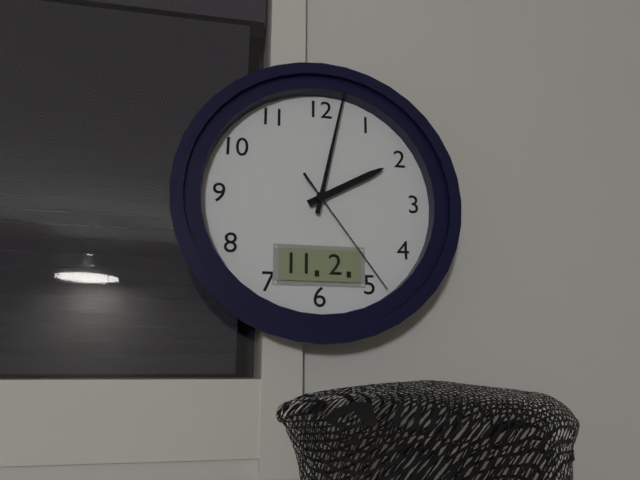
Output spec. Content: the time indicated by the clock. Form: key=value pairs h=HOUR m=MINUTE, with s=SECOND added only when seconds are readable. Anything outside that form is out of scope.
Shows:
h=2 m=2 s=24
